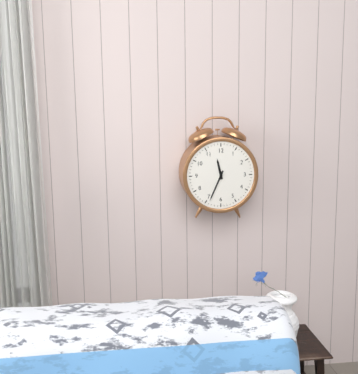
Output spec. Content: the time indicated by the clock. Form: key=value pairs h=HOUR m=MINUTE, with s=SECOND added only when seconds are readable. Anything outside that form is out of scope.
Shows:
h=11 m=34
